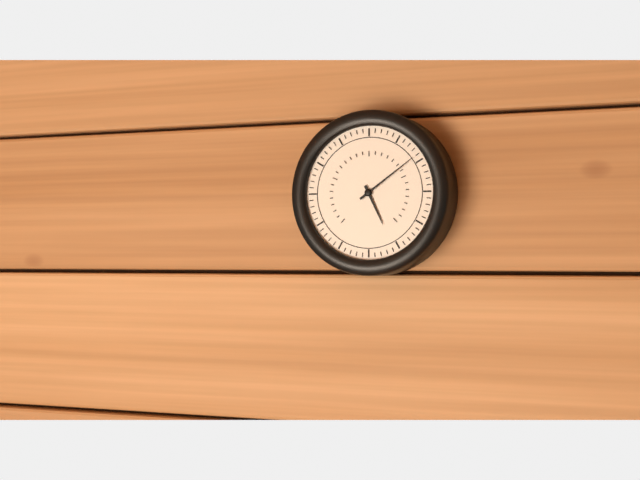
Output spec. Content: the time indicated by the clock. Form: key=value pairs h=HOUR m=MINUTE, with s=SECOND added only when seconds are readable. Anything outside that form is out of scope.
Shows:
h=5 m=9
